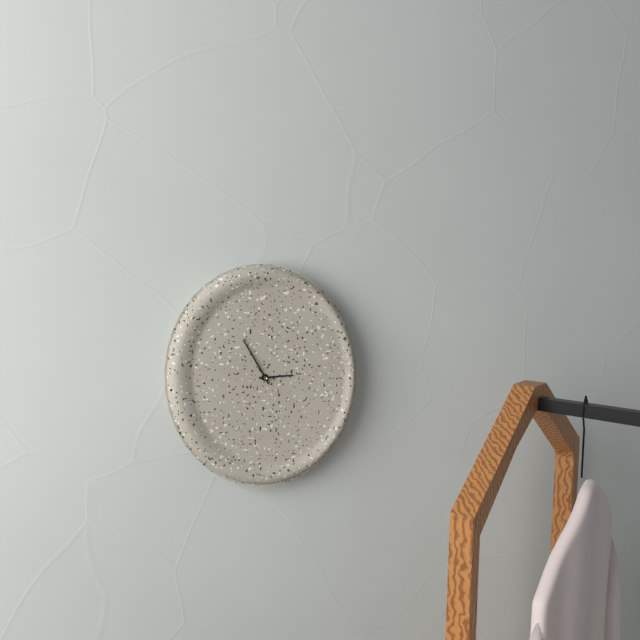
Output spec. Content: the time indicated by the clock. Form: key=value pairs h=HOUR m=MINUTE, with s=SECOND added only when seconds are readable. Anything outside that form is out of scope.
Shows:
h=2 m=55
